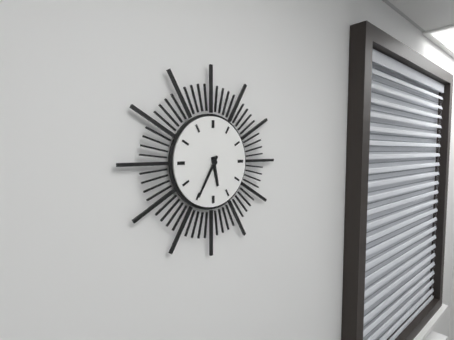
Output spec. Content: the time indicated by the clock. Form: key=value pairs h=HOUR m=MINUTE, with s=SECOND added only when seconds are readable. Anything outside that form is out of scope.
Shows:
h=5 m=35
